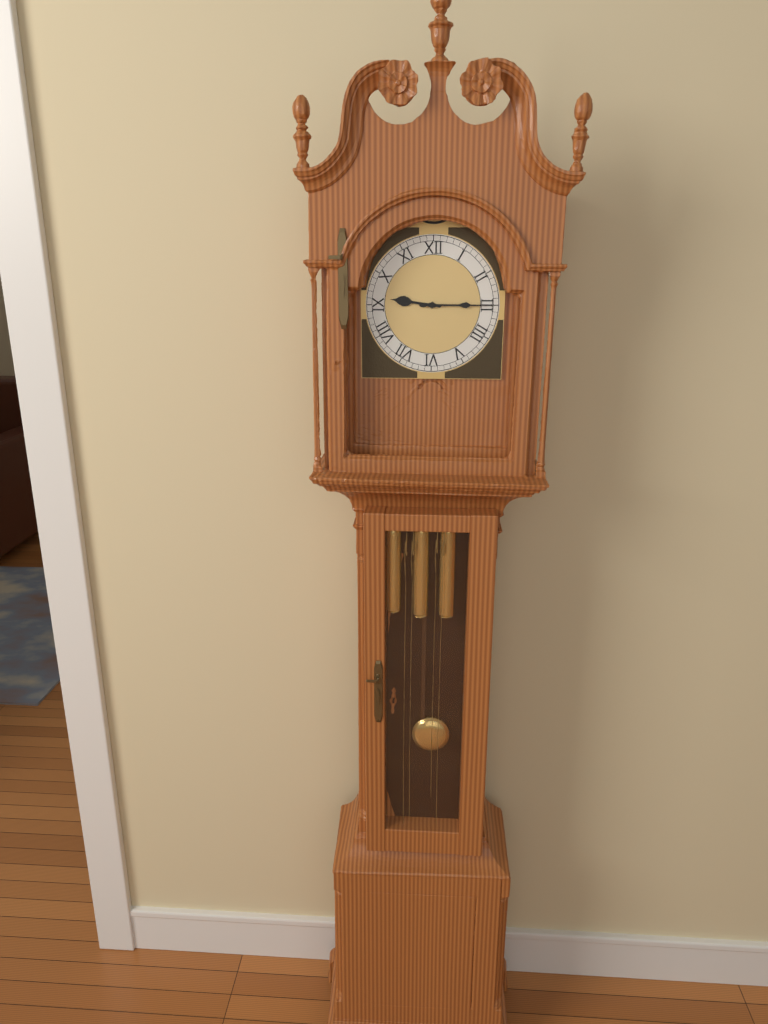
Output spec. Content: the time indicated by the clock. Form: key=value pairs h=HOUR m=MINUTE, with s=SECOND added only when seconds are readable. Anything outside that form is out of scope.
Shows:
h=9 m=15
